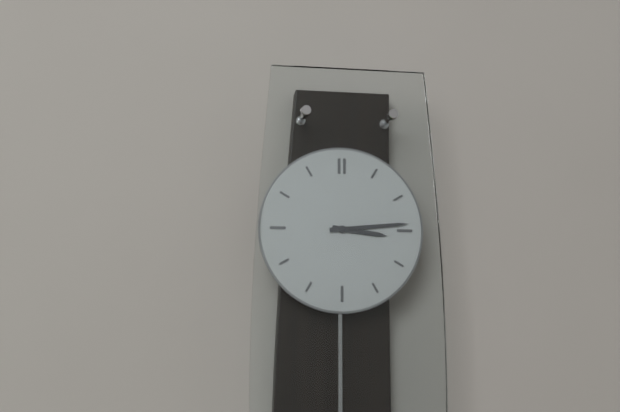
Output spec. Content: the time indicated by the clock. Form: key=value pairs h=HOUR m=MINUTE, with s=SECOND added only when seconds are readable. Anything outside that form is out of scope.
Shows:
h=3 m=14
